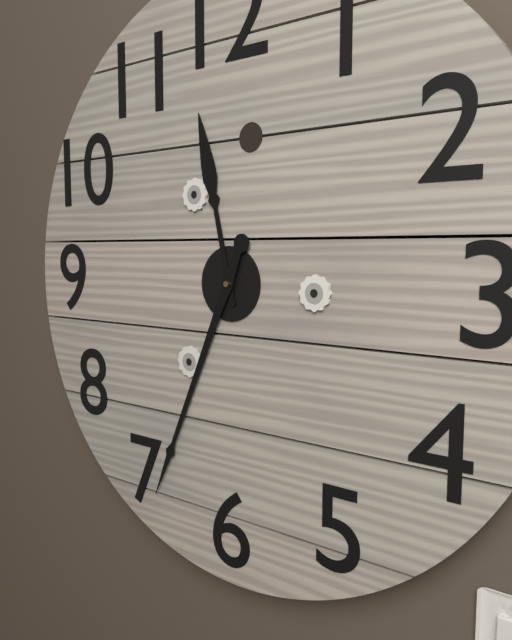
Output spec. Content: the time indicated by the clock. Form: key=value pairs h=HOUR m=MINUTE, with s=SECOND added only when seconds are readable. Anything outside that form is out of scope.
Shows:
h=11 m=34
